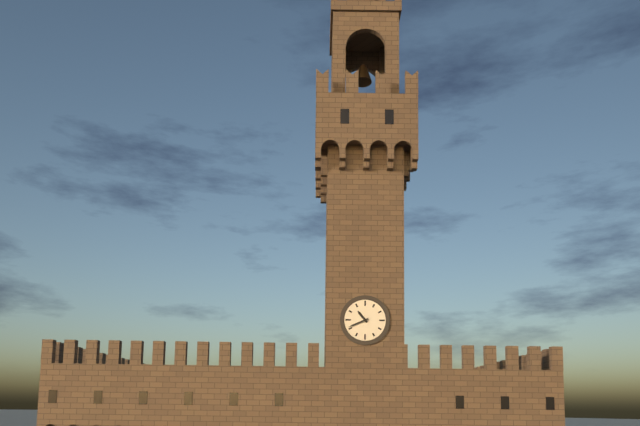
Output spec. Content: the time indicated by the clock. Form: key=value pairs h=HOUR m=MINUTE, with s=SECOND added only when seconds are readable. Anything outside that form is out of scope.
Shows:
h=10 m=41
